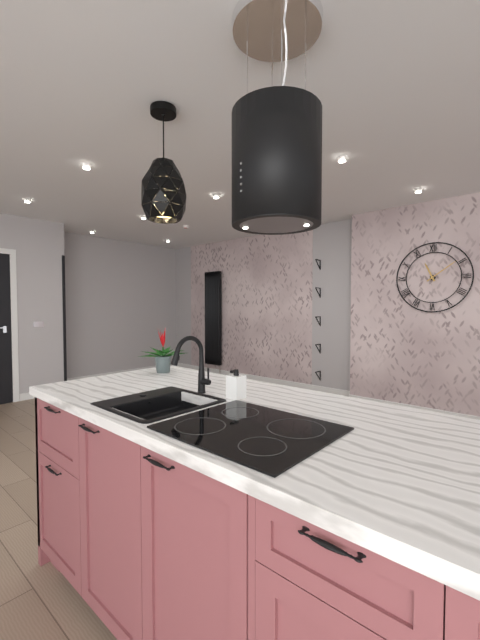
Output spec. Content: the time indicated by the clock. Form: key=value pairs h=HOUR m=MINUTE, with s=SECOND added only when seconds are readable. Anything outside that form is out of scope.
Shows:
h=11 m=9
